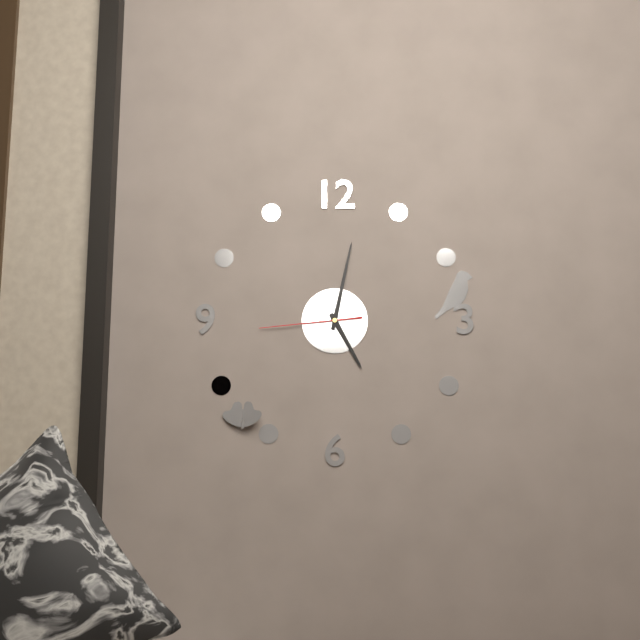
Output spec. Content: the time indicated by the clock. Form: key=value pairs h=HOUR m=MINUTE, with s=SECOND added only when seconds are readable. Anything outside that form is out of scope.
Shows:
h=5 m=2 s=44
